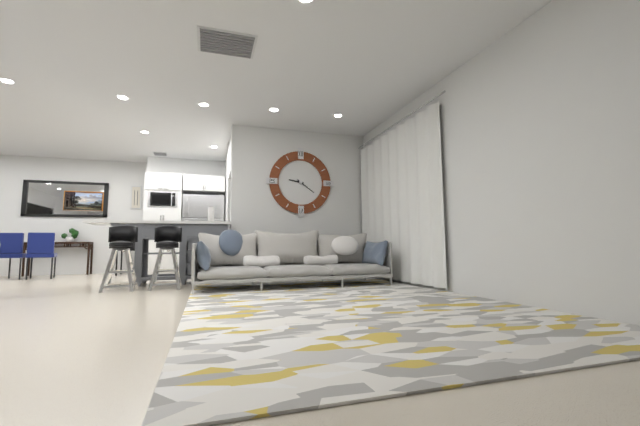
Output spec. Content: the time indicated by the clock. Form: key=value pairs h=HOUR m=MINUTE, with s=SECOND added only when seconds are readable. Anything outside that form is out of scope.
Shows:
h=9 m=21
